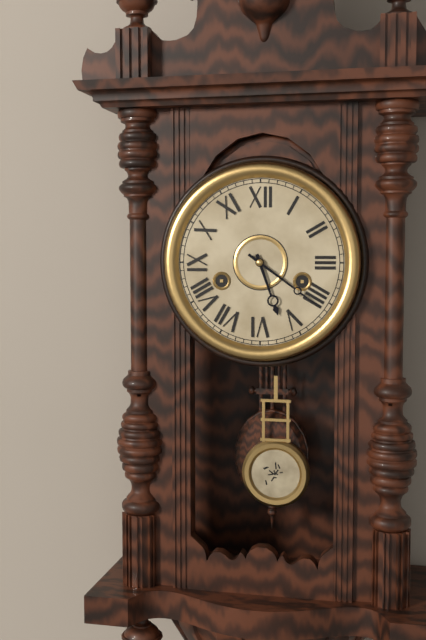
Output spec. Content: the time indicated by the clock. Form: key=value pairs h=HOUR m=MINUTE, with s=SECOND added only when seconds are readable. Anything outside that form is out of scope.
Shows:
h=5 m=21
